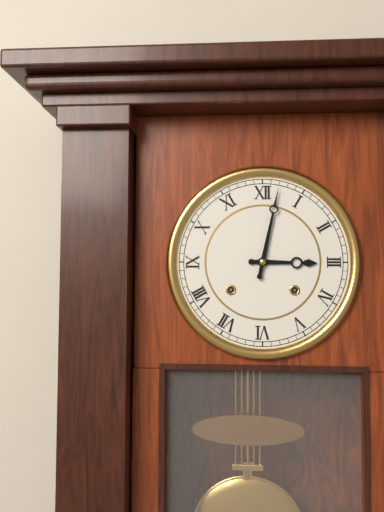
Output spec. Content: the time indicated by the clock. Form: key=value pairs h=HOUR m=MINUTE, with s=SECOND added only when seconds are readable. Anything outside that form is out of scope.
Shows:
h=3 m=2
